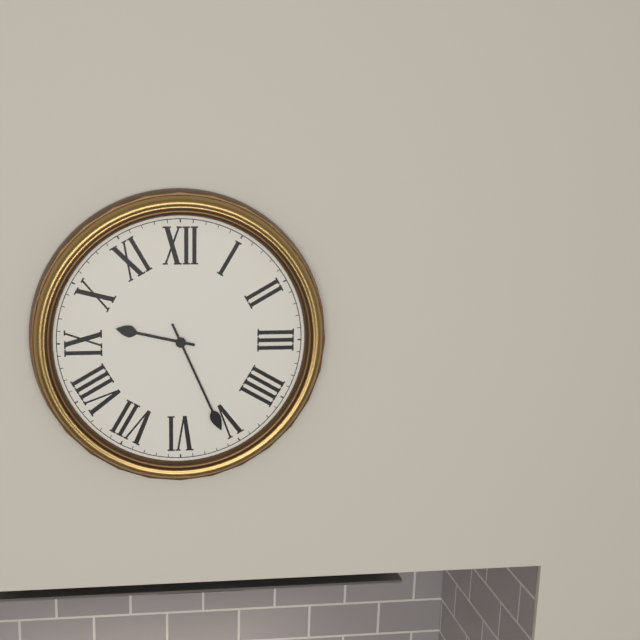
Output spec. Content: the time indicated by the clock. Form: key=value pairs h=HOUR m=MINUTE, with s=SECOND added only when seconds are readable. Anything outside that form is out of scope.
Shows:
h=9 m=26
